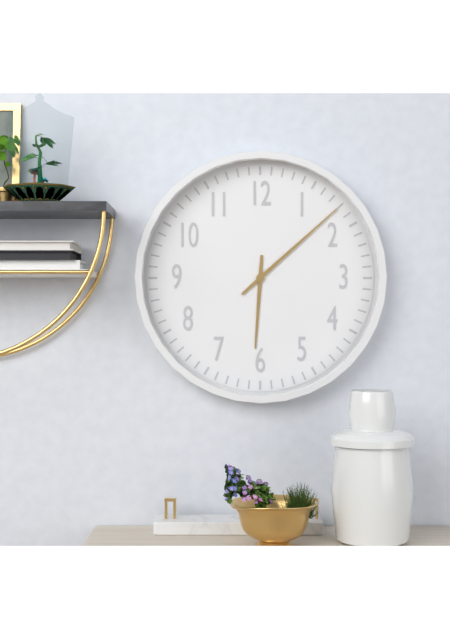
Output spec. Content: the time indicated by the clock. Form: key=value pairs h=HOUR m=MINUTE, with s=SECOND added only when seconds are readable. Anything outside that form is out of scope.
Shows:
h=6 m=8
